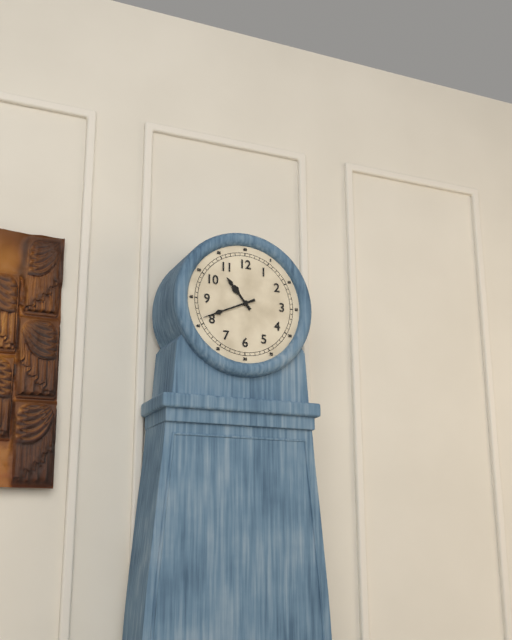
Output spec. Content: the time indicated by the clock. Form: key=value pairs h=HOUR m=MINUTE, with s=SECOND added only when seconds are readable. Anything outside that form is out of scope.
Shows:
h=10 m=41
